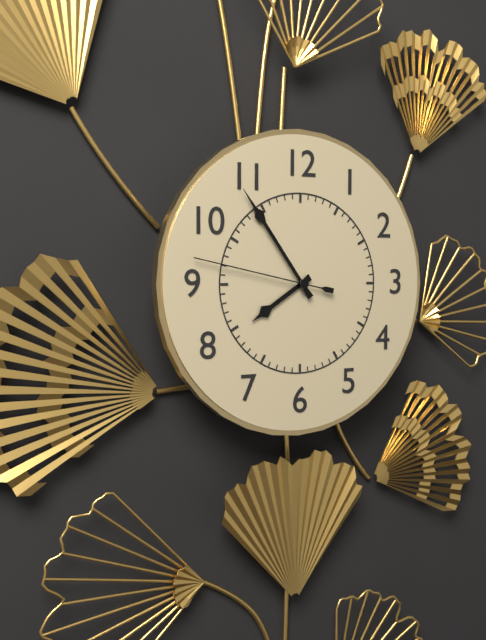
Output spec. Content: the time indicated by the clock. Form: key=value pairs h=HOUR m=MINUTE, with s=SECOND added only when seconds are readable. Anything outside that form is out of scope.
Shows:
h=7 m=54 s=47
